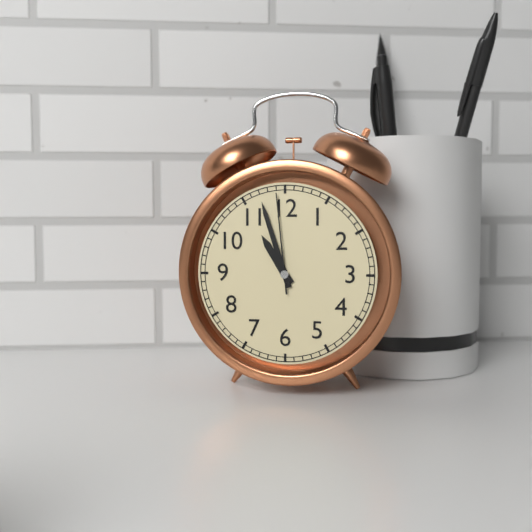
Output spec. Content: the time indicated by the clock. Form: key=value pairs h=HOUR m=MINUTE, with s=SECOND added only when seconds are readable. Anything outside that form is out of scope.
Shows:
h=10 m=57 s=59
